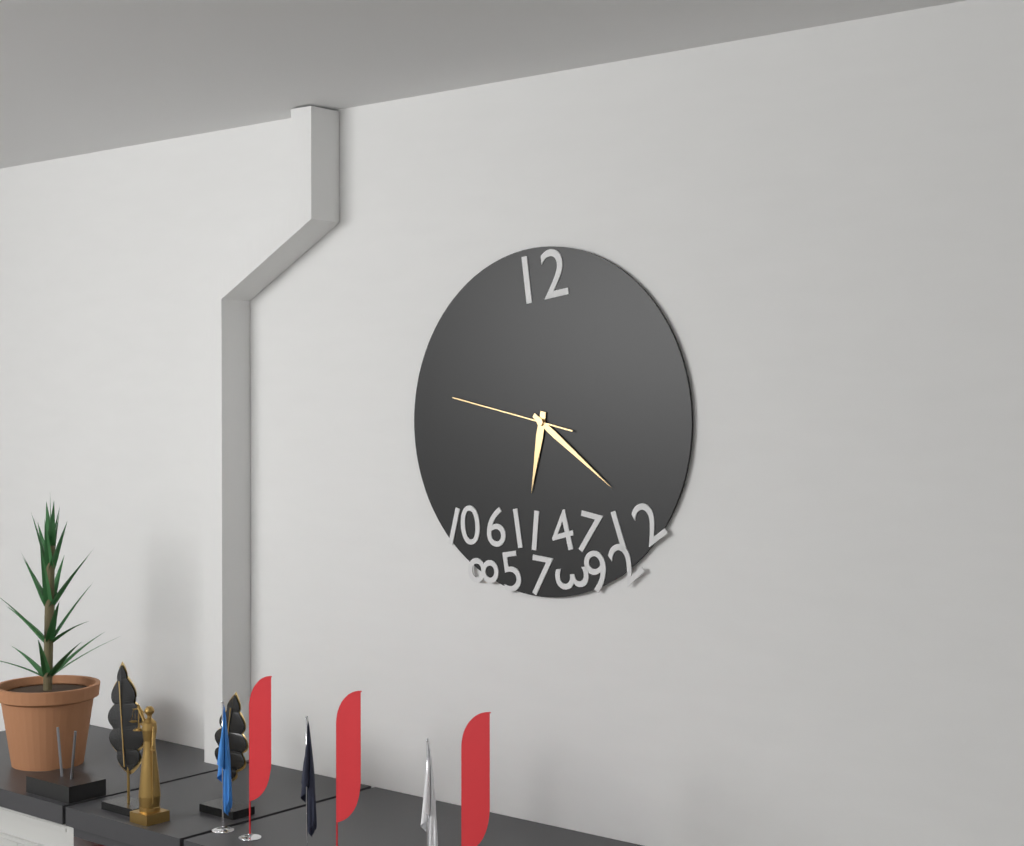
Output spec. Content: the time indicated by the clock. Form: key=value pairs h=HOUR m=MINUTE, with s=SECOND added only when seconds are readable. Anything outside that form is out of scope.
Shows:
h=6 m=21 s=47
